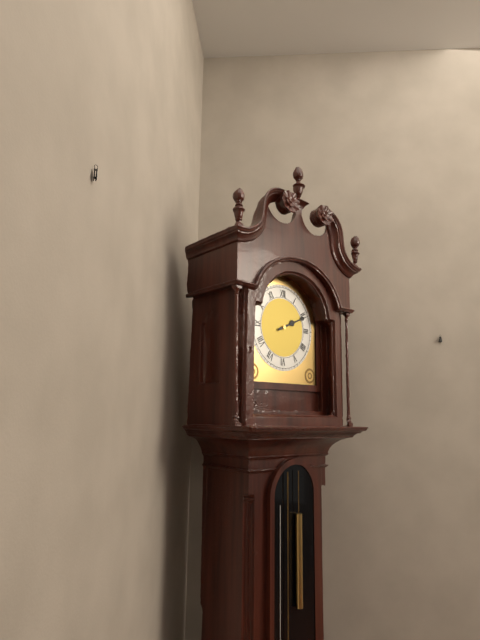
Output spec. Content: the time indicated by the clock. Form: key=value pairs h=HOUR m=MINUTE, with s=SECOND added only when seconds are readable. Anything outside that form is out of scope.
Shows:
h=2 m=11
